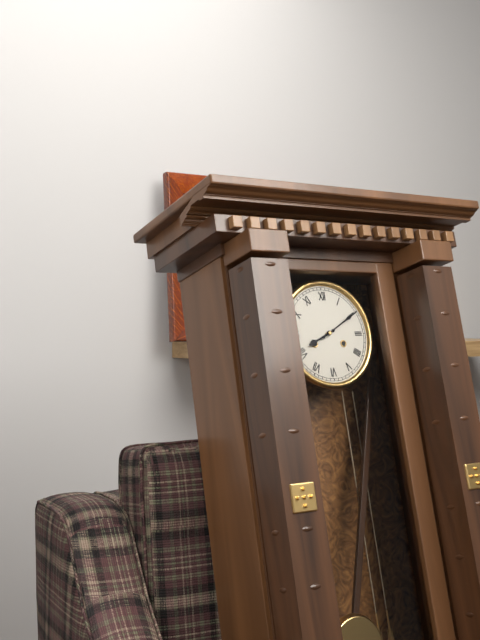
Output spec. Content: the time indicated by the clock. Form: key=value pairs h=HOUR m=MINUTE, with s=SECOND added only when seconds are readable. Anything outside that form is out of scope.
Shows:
h=8 m=10
